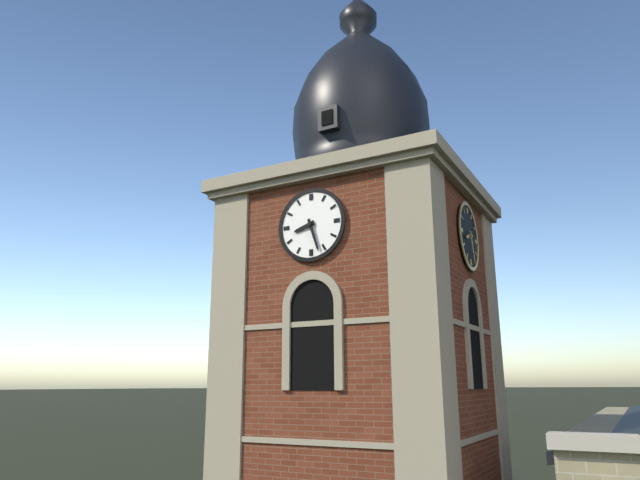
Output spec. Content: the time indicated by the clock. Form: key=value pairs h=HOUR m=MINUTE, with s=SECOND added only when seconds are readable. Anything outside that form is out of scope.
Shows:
h=8 m=27
